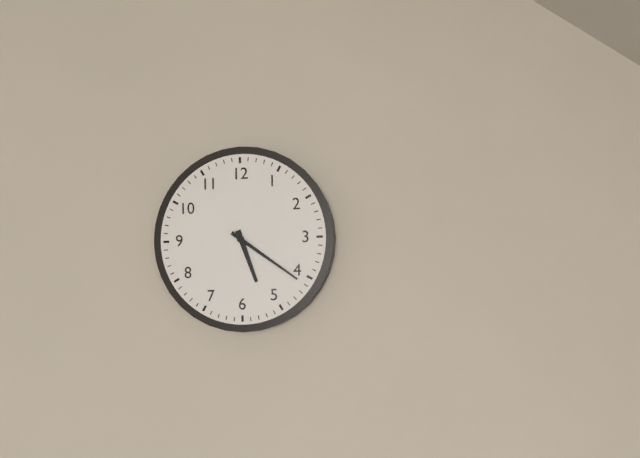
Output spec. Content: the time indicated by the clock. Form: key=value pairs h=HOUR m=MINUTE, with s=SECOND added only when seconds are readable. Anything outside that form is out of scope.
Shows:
h=5 m=21
